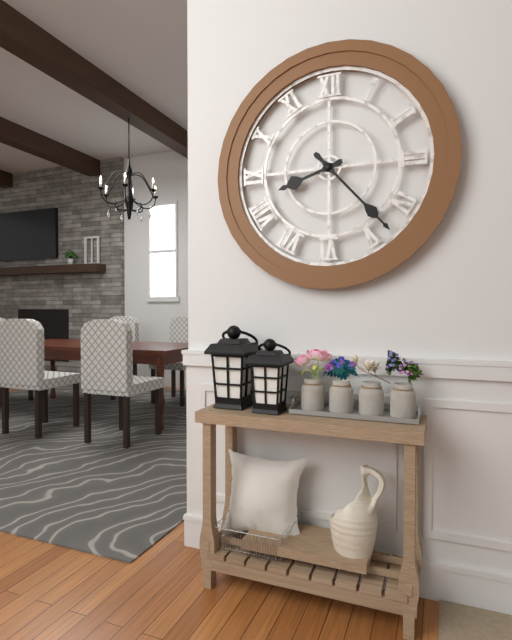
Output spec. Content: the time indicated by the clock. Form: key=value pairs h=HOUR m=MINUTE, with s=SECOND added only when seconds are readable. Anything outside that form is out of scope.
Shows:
h=8 m=23
